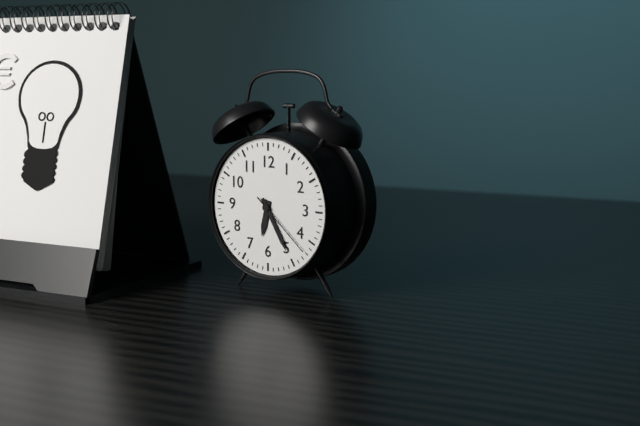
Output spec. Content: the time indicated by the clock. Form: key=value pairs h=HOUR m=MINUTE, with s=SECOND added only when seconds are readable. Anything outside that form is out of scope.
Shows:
h=6 m=25 s=22
